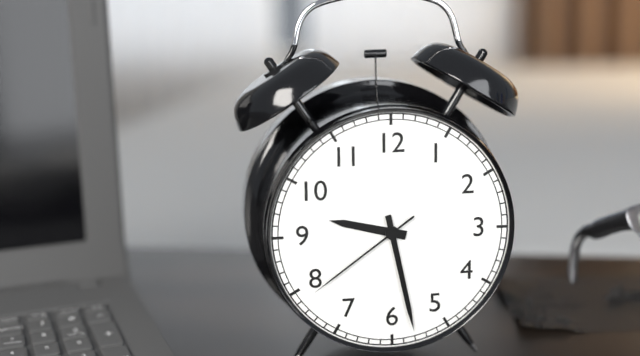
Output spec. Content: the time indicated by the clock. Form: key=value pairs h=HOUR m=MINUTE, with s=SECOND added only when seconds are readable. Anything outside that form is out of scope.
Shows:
h=9 m=28 s=39
